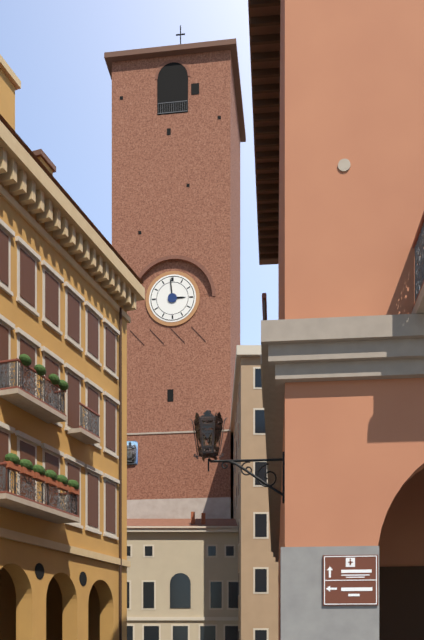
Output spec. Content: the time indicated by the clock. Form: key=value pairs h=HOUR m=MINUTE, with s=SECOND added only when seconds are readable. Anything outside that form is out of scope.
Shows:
h=2 m=59
